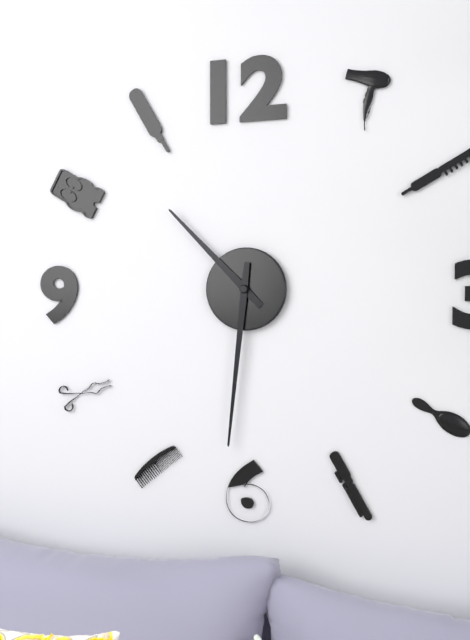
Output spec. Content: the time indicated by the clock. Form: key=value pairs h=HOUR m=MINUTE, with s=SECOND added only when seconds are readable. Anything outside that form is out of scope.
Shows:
h=10 m=31
